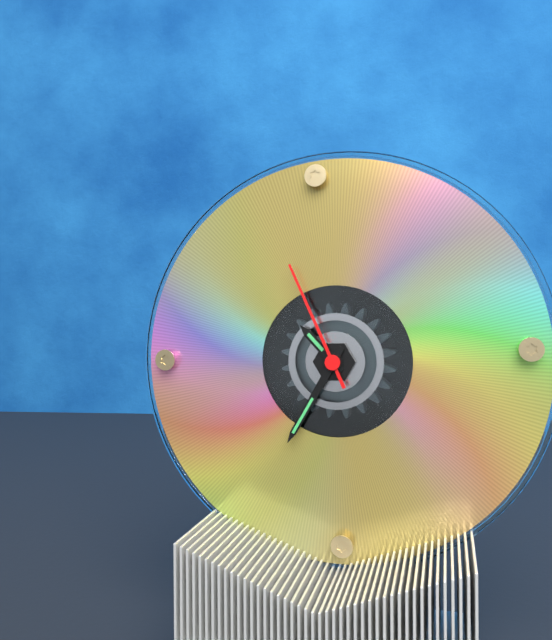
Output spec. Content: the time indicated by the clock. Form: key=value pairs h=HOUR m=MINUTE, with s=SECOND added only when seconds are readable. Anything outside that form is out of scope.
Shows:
h=10 m=35 s=56
